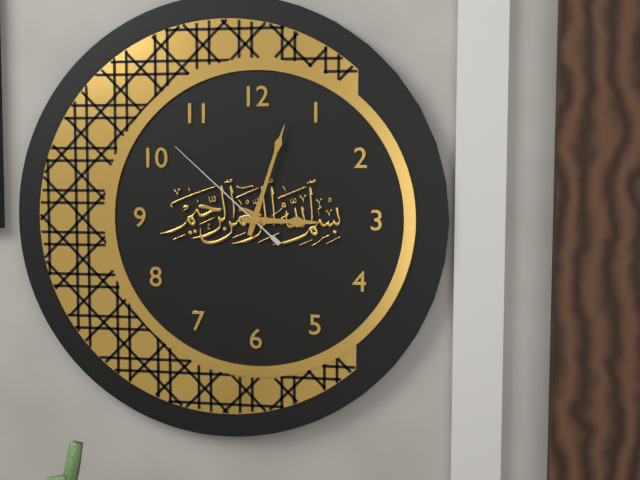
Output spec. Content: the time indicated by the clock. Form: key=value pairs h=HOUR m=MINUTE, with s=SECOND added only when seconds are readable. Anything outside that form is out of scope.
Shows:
h=3 m=3 s=52
